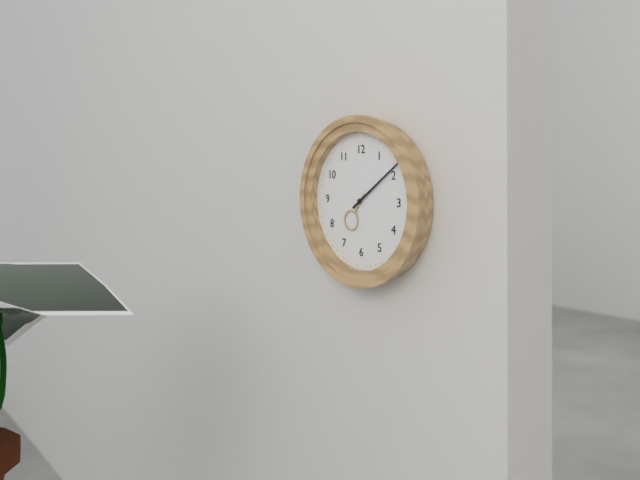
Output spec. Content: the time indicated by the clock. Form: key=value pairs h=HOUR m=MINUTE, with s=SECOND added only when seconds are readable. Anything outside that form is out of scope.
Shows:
h=7 m=9
